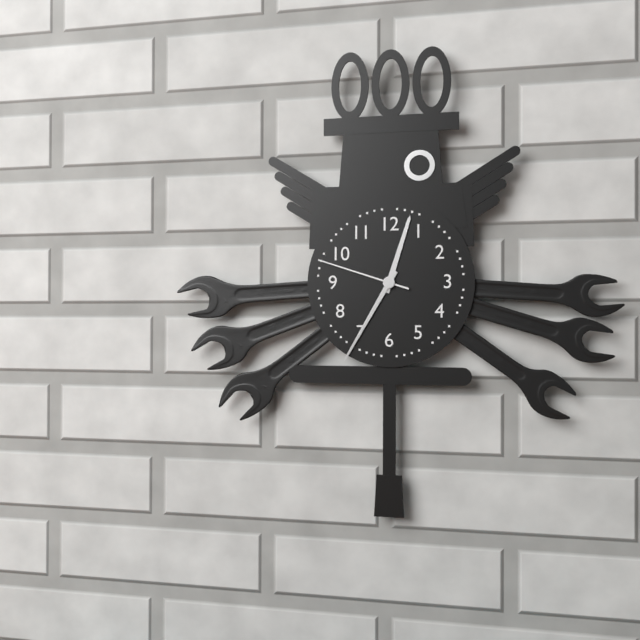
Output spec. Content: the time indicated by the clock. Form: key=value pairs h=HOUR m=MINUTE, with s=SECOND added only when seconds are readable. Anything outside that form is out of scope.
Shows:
h=12 m=35 s=48
